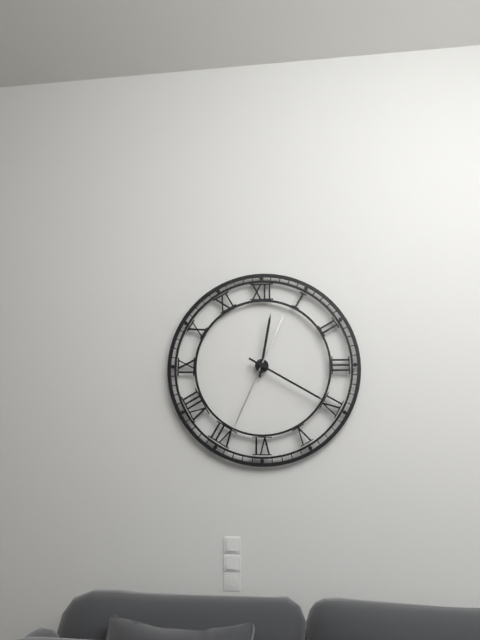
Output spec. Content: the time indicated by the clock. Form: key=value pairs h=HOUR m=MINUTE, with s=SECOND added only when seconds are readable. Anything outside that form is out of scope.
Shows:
h=12 m=20 s=34
